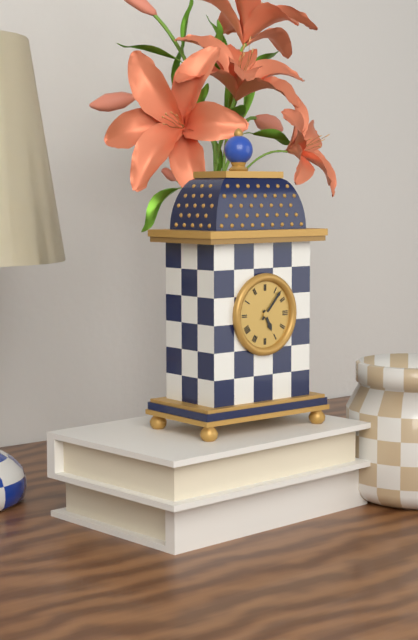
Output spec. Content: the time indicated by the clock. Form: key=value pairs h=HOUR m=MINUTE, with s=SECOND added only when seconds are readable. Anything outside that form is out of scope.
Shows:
h=5 m=7
